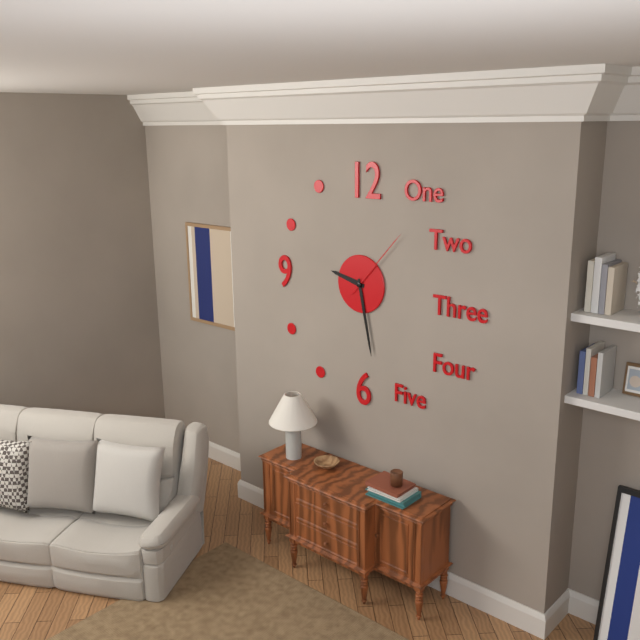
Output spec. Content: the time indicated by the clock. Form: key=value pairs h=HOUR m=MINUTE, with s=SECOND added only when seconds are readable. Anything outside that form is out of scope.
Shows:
h=9 m=28 s=7
